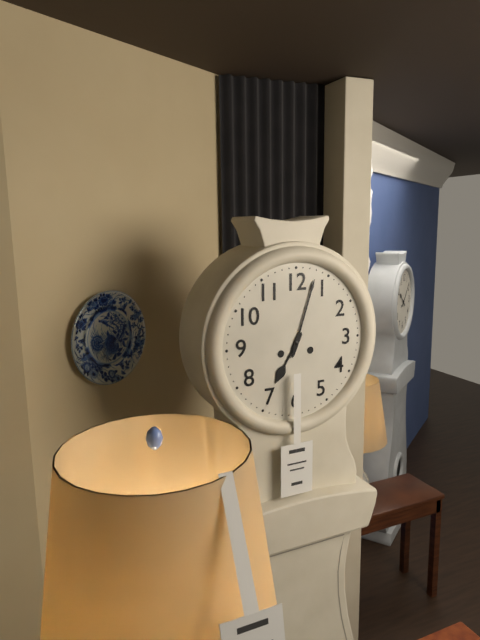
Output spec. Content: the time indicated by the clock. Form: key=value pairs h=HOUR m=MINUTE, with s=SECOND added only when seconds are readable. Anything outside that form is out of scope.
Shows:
h=7 m=3
